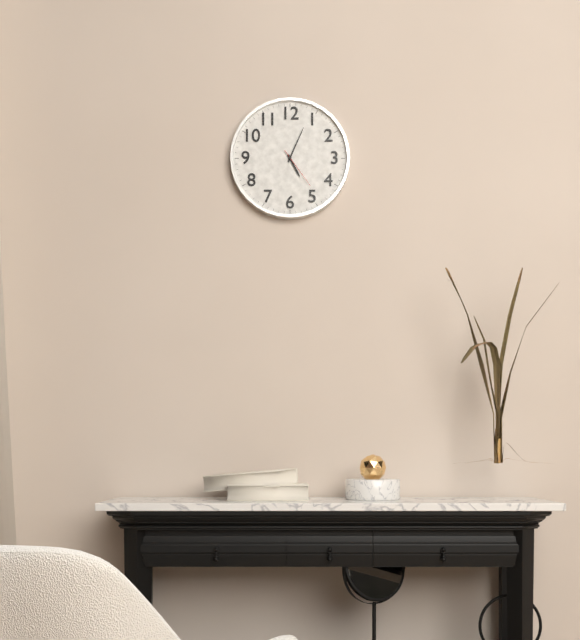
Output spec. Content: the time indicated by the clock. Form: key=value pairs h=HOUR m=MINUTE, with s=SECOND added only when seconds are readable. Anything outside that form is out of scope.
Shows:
h=5 m=4
